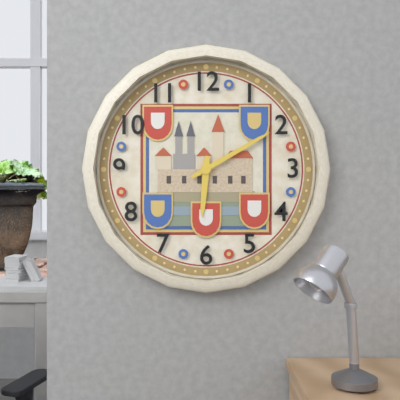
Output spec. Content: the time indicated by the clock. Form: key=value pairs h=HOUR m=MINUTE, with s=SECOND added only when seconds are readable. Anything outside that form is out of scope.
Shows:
h=6 m=10
